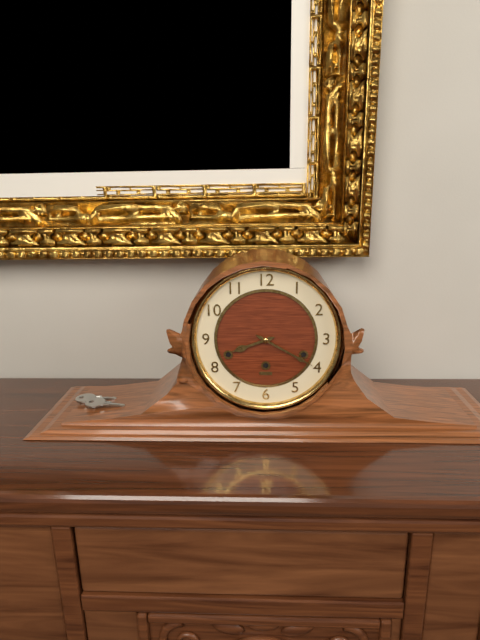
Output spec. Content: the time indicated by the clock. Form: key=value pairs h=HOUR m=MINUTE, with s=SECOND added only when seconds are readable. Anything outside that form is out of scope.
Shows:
h=8 m=20
